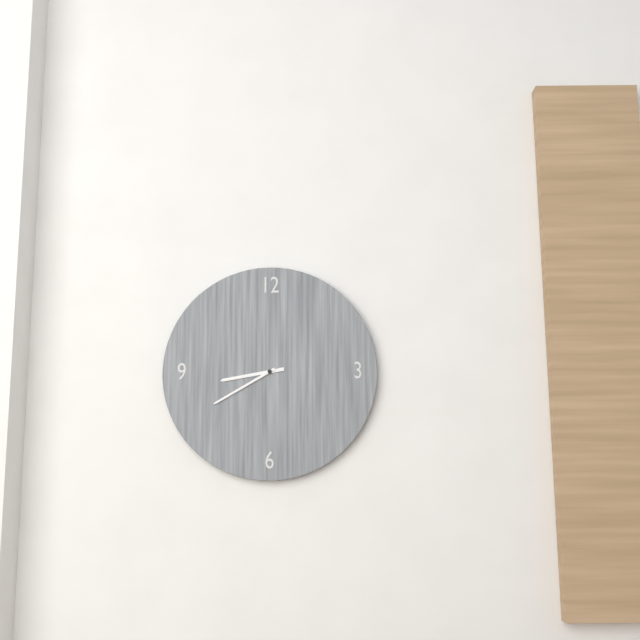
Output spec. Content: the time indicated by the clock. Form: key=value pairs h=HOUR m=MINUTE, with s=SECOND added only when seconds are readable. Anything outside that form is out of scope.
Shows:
h=8 m=40
